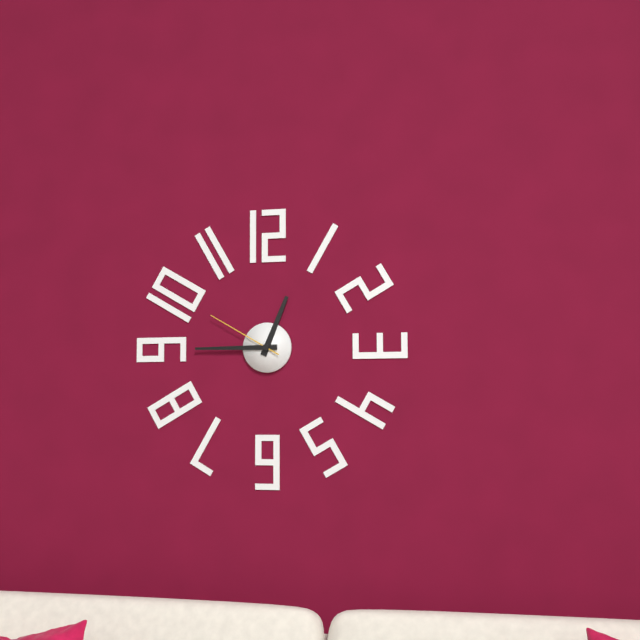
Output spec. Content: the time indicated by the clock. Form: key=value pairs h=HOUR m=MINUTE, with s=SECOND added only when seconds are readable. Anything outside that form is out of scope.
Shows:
h=12 m=45 s=50
